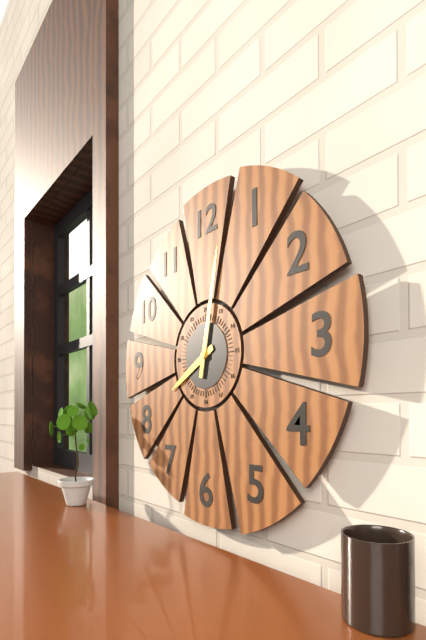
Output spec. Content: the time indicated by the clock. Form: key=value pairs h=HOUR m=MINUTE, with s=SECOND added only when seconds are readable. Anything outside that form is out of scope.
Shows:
h=8 m=2
